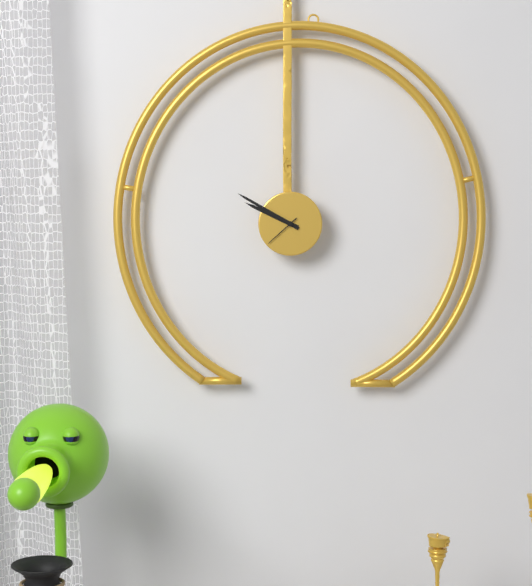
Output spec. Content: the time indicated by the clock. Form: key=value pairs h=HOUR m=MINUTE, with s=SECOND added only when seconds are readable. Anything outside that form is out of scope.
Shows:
h=9 m=50
